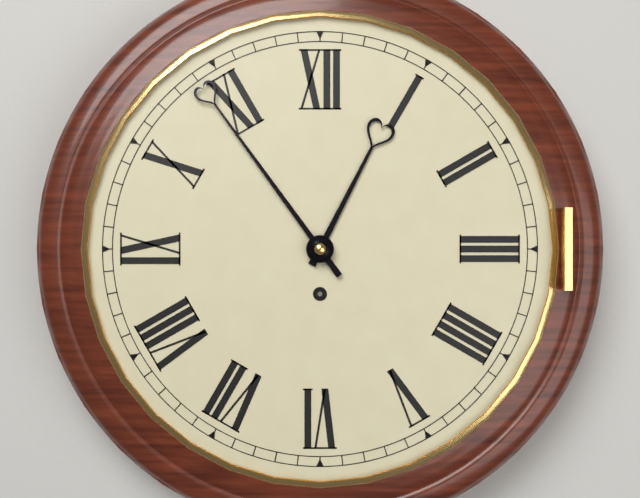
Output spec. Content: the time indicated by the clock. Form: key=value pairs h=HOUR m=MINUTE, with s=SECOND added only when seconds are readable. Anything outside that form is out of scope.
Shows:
h=12 m=54
